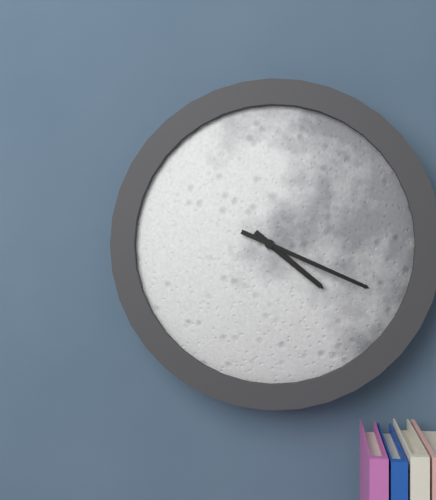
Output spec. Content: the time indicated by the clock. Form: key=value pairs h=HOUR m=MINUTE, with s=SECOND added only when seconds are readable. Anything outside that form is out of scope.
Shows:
h=4 m=19
